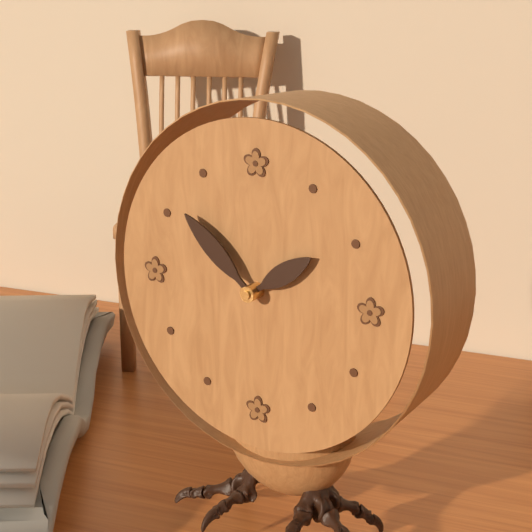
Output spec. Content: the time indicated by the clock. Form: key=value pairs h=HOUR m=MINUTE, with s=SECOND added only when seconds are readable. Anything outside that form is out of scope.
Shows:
h=1 m=52
